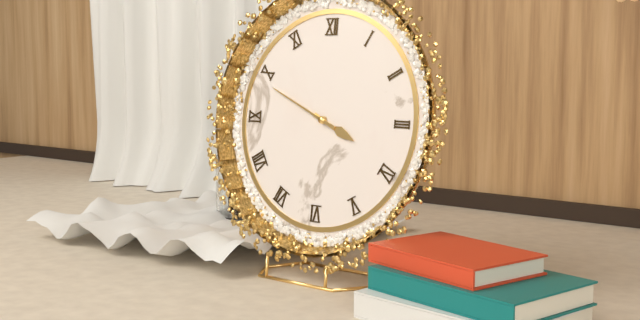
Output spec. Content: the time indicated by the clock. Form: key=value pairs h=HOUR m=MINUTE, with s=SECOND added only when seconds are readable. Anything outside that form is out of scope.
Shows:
h=3 m=49
